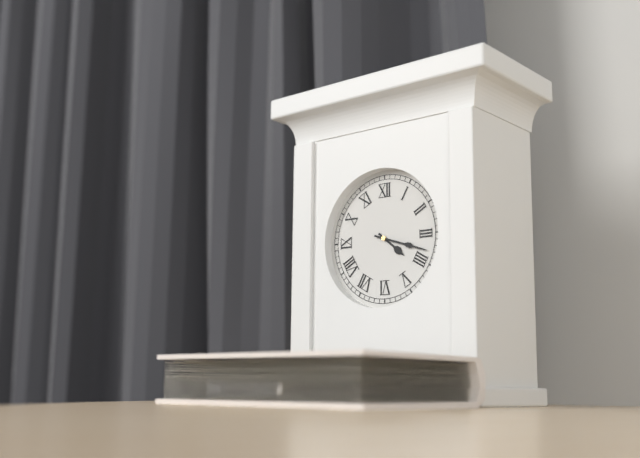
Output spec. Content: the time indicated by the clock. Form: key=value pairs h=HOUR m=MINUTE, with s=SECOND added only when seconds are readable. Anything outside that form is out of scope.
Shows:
h=4 m=18
